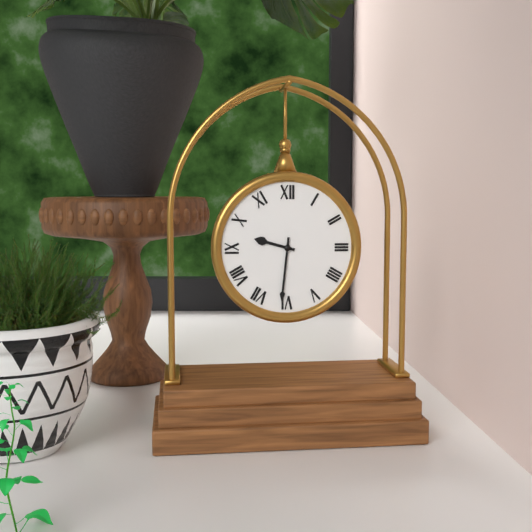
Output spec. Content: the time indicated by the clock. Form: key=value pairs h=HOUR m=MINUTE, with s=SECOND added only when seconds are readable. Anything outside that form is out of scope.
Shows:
h=9 m=31
